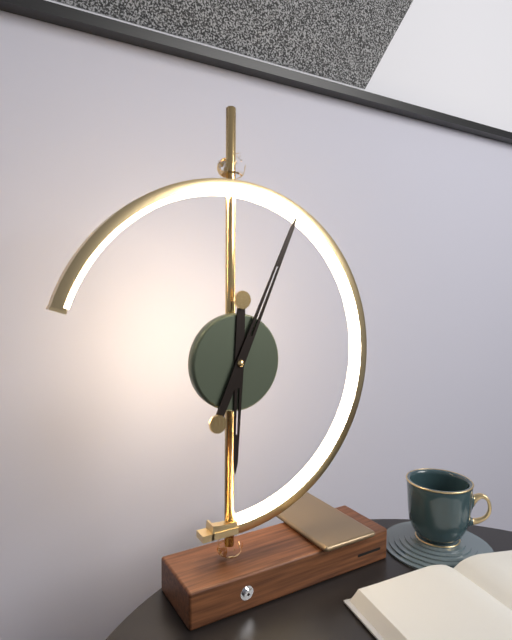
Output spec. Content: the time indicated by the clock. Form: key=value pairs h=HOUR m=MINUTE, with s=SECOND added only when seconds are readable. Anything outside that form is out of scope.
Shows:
h=6 m=4
